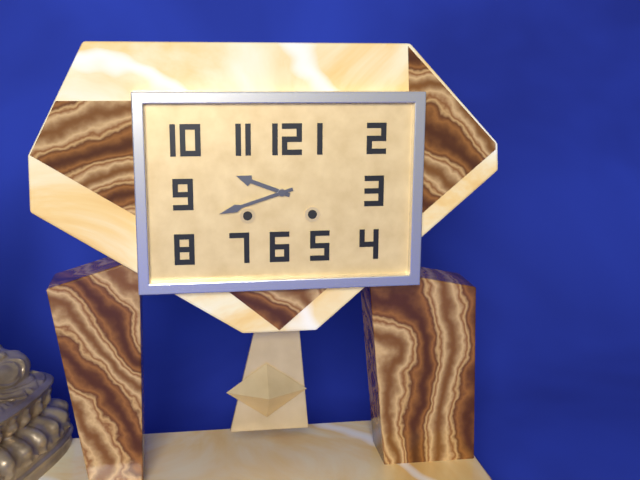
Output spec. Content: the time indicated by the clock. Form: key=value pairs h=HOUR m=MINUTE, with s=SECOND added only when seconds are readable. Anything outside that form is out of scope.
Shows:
h=9 m=42
